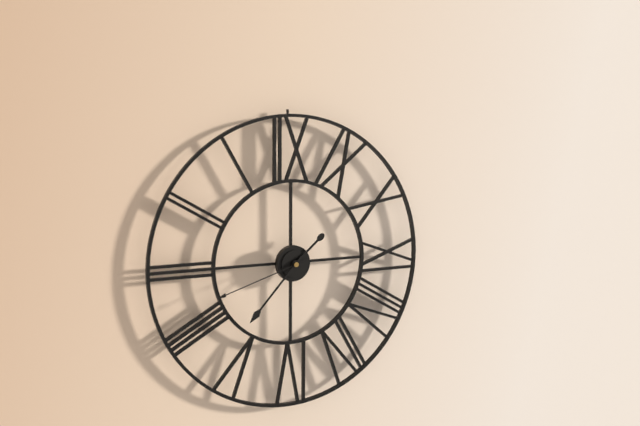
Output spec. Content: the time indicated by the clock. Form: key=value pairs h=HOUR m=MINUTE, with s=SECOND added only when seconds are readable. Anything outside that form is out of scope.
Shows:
h=1 m=37 s=42
